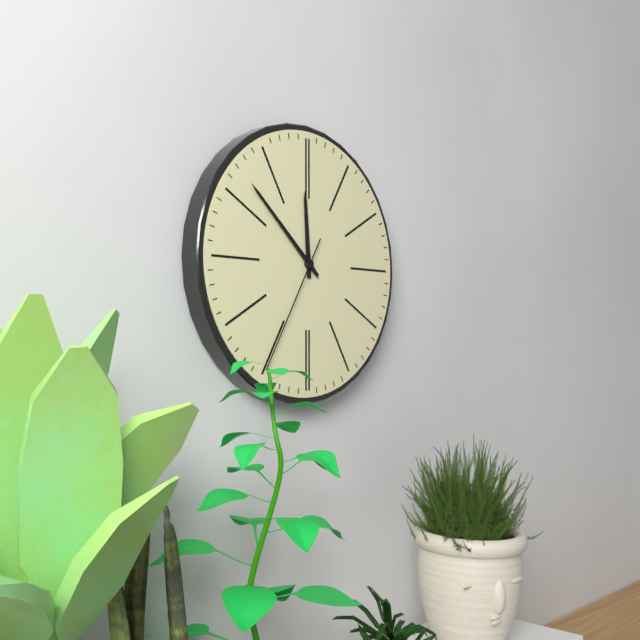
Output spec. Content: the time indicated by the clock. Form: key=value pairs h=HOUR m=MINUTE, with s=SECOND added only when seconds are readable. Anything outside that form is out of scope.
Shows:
h=11 m=52 s=35
